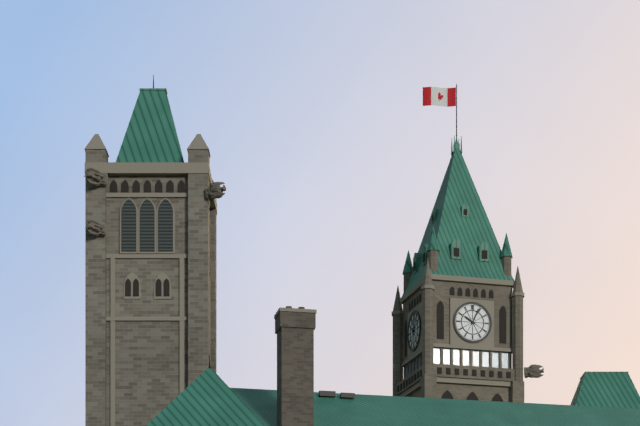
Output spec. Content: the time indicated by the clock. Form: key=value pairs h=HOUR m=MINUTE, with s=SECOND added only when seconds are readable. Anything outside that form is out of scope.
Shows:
h=10 m=4
